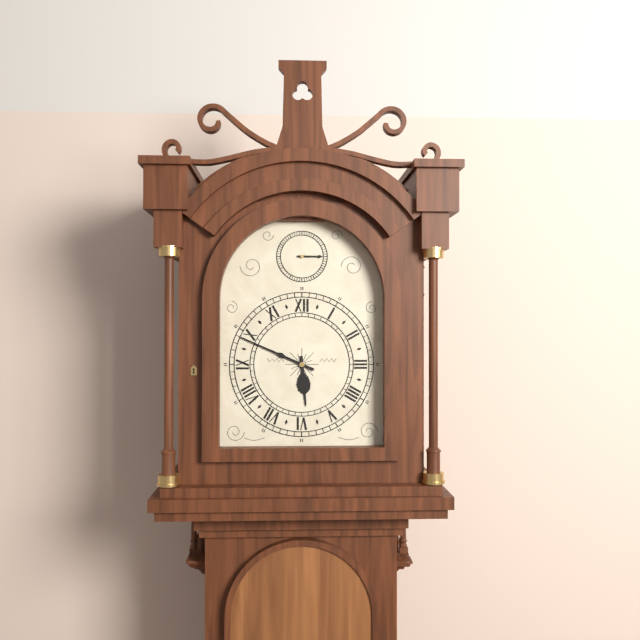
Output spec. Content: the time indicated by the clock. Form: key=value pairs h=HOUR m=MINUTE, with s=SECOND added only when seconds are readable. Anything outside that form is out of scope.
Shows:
h=5 m=49
